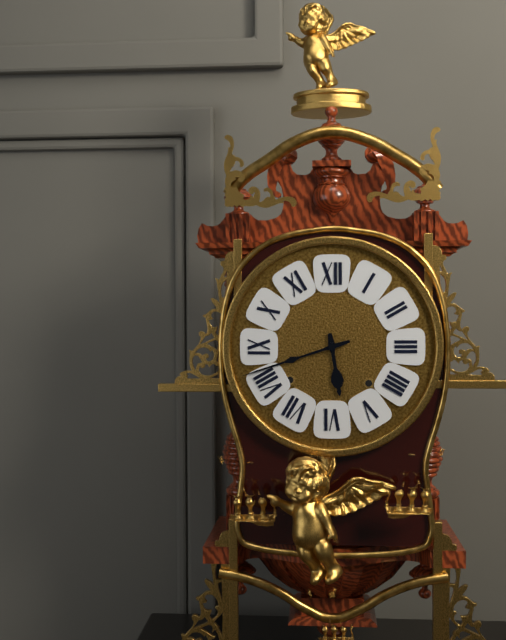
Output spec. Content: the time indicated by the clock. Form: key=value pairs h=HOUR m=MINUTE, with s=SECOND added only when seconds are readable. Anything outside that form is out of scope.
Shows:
h=5 m=42
